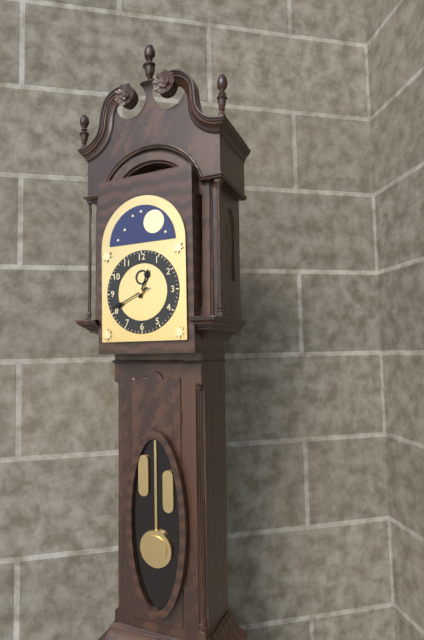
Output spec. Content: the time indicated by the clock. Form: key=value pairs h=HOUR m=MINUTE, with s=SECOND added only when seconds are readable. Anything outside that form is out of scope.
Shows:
h=12 m=41
